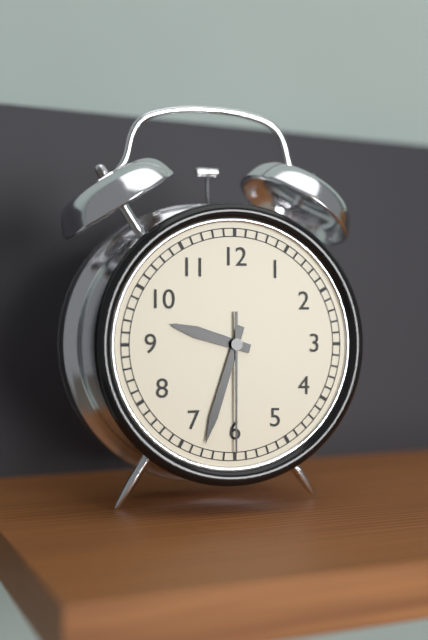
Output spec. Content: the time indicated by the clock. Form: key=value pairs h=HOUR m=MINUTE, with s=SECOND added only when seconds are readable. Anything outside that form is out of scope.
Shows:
h=9 m=33 s=30
